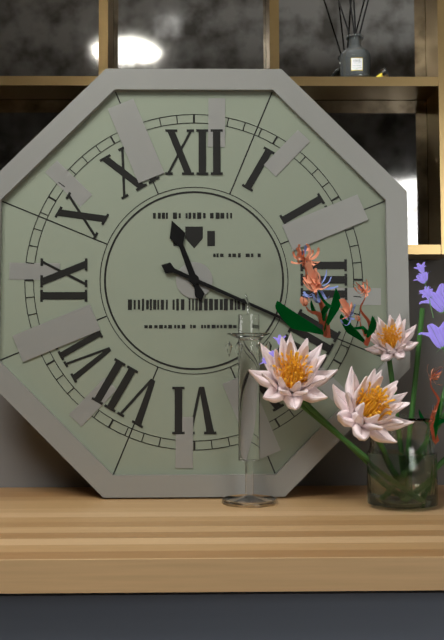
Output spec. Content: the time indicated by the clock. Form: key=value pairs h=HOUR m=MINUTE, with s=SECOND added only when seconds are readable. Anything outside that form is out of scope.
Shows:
h=11 m=19
